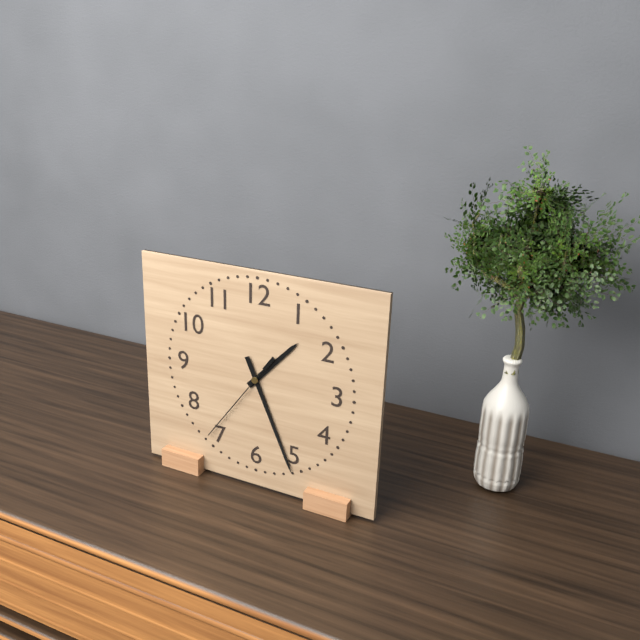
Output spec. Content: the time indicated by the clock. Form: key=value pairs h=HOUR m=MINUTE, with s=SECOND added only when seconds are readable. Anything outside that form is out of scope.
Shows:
h=1 m=26 s=36
